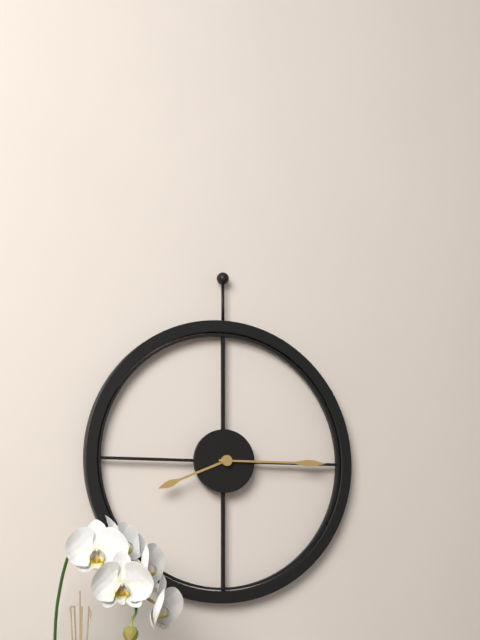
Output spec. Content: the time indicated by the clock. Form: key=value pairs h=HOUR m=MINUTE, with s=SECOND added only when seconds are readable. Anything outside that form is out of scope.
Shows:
h=8 m=15
